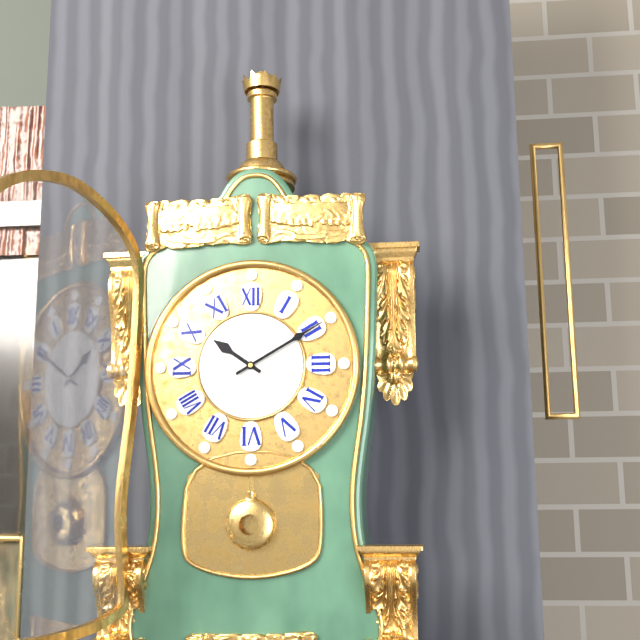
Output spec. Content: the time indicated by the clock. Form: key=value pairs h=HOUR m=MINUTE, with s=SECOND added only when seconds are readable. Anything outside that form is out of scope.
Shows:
h=10 m=10
